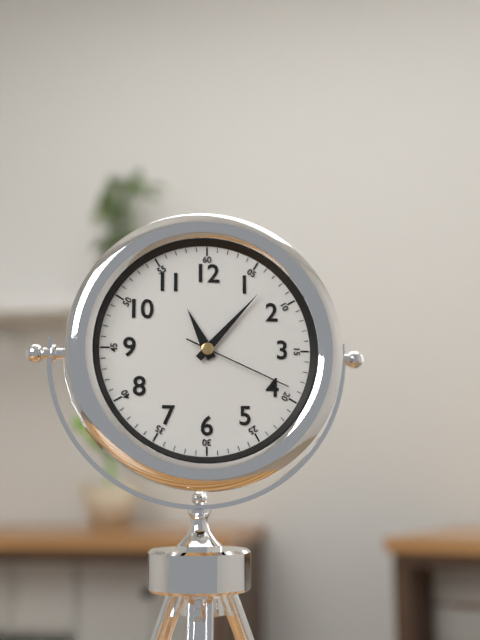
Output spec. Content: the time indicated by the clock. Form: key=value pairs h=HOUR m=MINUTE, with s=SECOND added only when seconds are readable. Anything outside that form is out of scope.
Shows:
h=11 m=7 s=19
